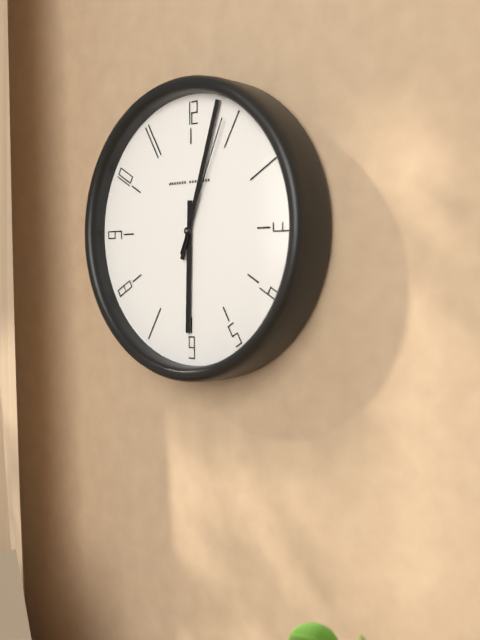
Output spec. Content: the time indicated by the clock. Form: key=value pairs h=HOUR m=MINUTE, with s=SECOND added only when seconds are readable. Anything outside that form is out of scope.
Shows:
h=6 m=3 s=4
